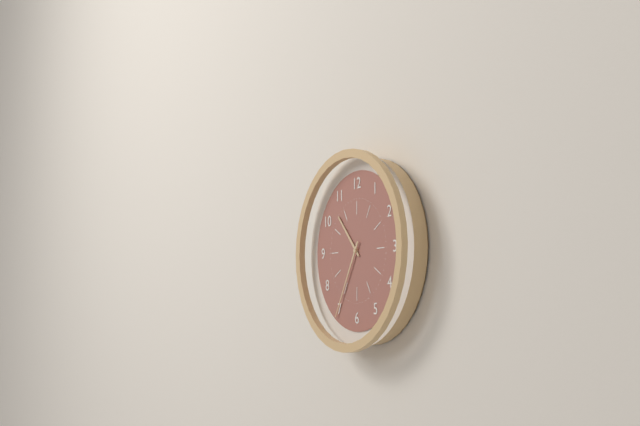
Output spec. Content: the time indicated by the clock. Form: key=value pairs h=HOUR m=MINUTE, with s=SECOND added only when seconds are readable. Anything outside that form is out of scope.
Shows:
h=10 m=35
